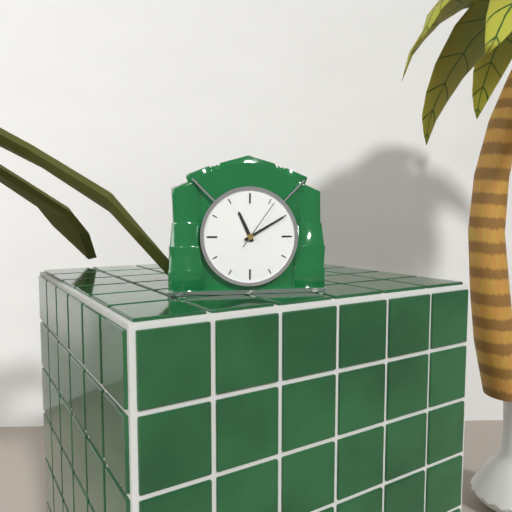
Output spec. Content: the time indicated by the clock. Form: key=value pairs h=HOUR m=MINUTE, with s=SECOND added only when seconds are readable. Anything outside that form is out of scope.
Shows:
h=11 m=10 s=6
